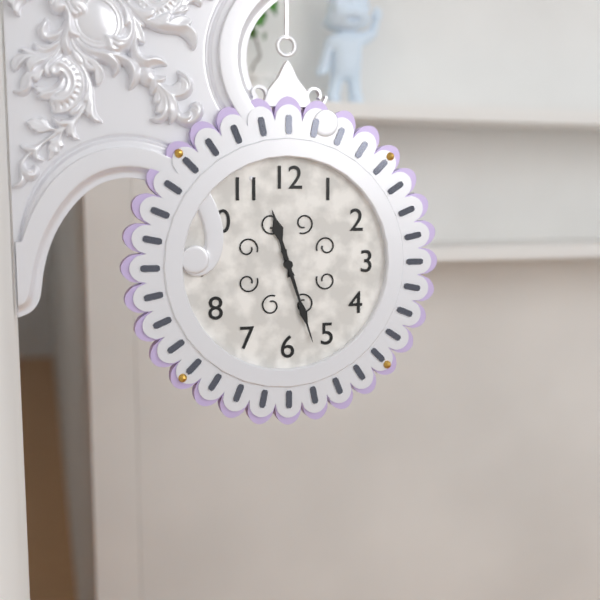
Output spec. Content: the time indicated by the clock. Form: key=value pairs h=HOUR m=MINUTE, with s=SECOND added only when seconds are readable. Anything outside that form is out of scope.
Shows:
h=11 m=27
